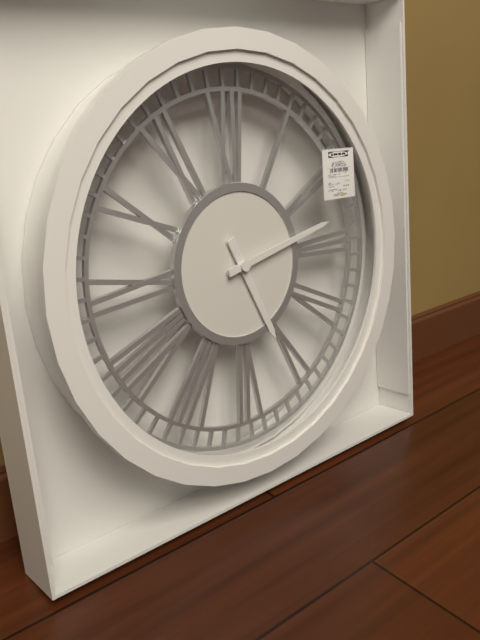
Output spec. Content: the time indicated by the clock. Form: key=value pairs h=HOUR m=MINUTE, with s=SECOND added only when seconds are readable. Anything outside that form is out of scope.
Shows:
h=5 m=13
